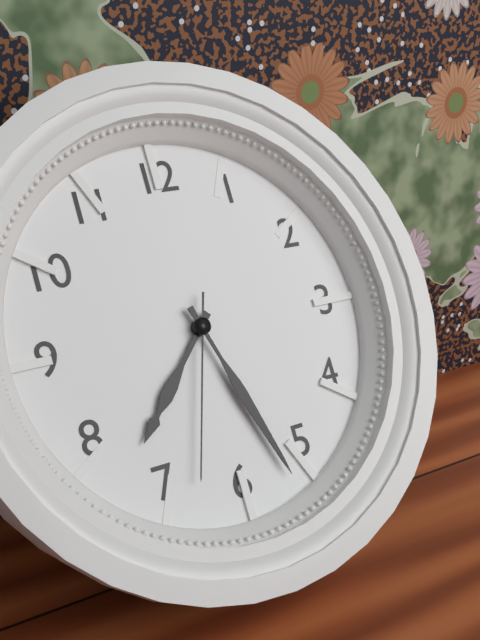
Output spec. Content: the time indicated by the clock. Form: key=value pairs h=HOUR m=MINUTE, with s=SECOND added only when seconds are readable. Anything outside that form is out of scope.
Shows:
h=7 m=27 s=33
